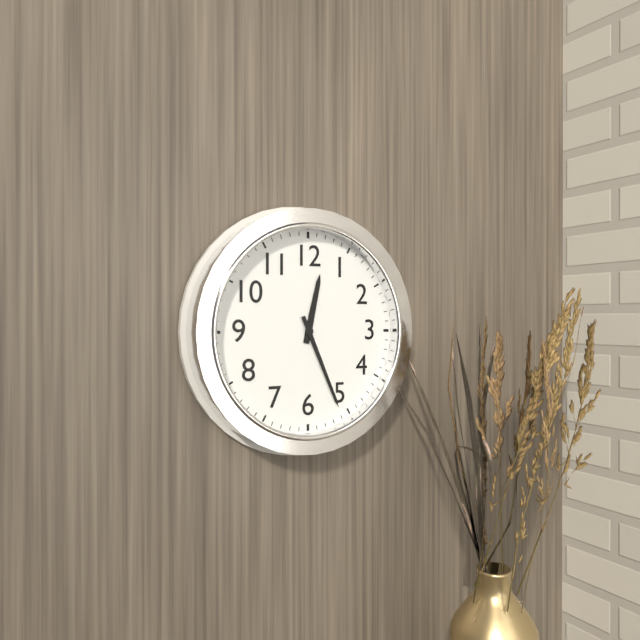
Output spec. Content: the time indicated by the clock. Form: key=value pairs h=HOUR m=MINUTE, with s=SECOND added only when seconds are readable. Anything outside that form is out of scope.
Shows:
h=12 m=26
